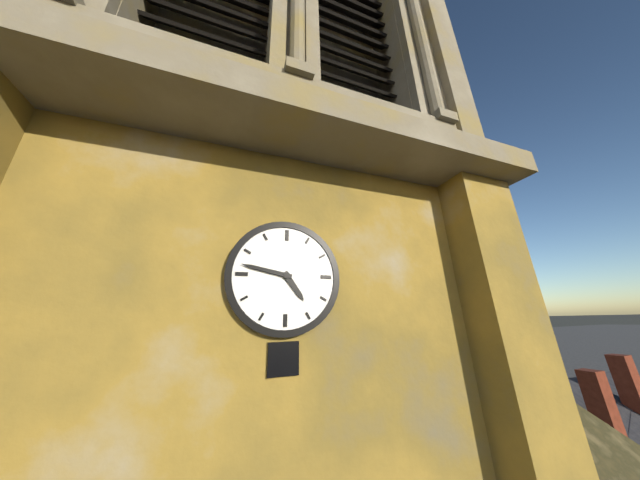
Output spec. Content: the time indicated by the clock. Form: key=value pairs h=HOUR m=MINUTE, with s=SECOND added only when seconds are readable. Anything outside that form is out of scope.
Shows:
h=4 m=47
